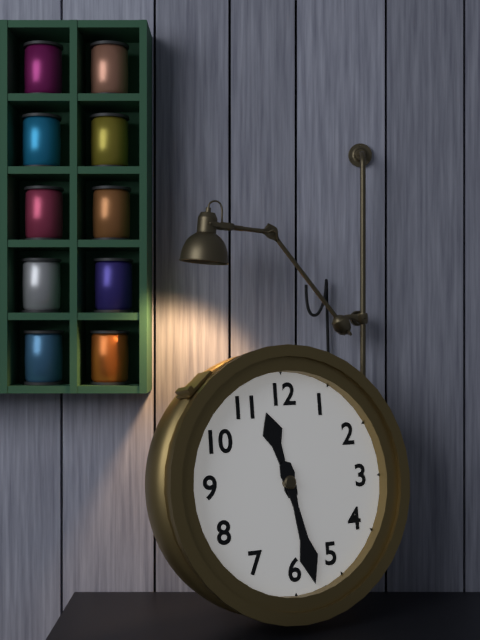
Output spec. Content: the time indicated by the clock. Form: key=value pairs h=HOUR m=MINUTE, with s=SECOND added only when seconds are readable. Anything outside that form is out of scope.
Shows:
h=11 m=28
